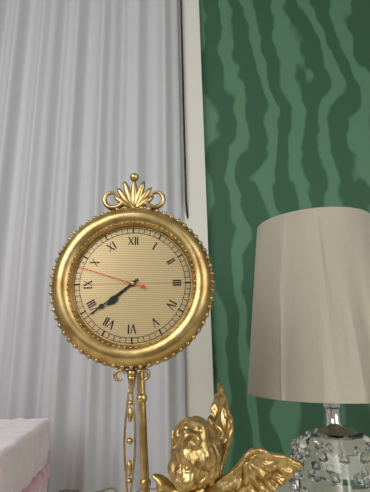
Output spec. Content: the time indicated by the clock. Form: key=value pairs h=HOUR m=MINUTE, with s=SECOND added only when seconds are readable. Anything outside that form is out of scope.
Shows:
h=7 m=39 s=48
